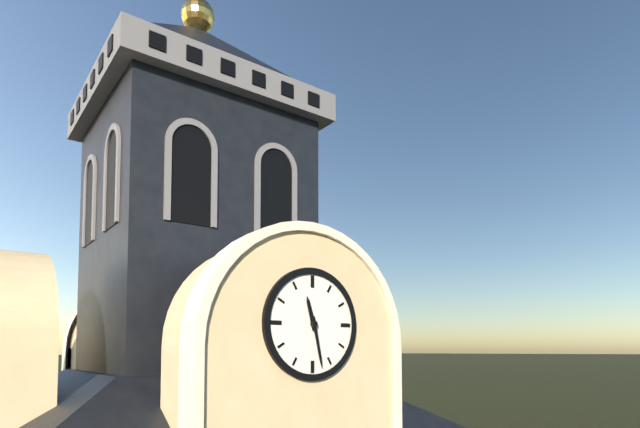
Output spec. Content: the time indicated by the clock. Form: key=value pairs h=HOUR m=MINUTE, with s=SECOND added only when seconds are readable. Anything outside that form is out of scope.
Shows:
h=11 m=28
